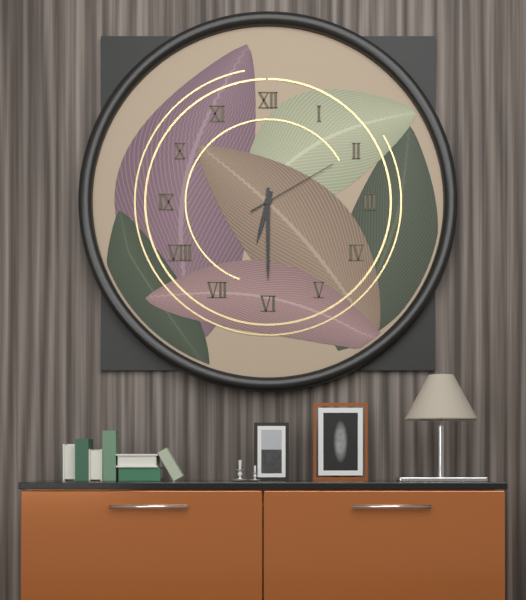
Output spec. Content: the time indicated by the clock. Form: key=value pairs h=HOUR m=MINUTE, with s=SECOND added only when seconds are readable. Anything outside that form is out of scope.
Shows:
h=6 m=30 s=10
